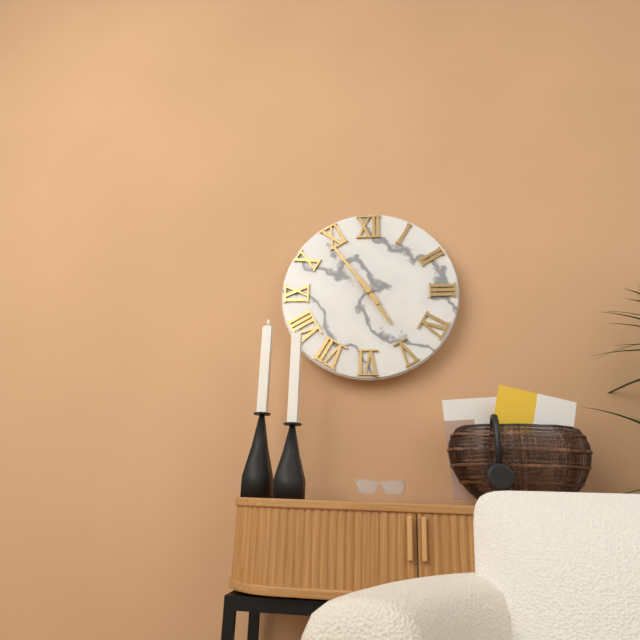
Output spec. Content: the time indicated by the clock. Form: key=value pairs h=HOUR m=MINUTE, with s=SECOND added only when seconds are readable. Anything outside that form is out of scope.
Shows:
h=4 m=54
